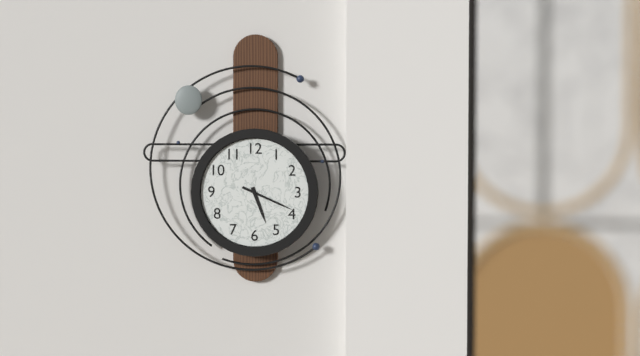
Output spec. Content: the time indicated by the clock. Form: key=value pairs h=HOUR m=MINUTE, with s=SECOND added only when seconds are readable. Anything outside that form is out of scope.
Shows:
h=5 m=19
